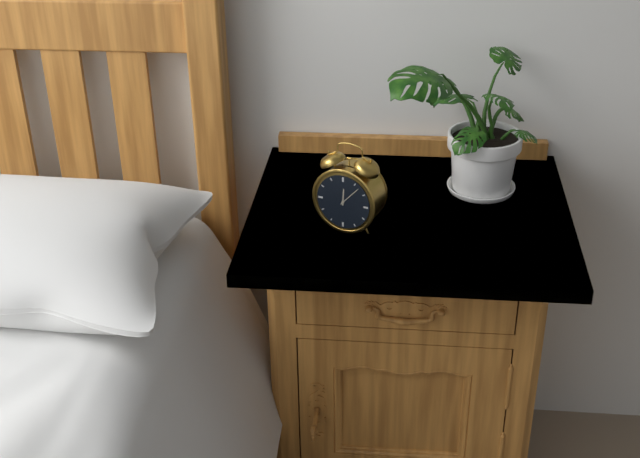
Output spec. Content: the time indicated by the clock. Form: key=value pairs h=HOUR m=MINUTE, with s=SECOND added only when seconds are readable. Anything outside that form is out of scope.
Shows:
h=12 m=7
